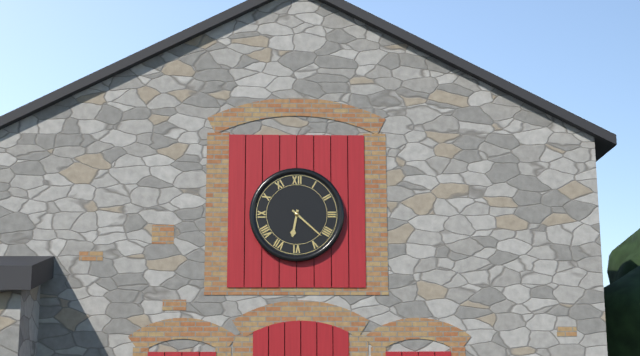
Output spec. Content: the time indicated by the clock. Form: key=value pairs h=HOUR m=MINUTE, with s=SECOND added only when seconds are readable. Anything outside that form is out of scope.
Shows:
h=6 m=22
